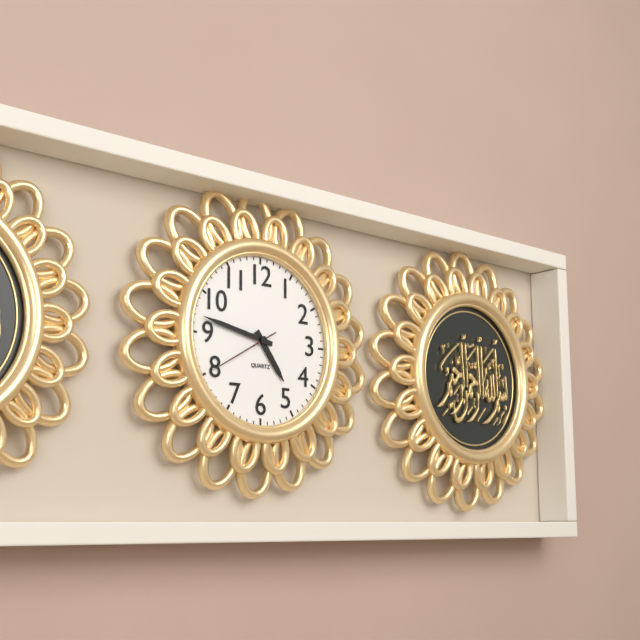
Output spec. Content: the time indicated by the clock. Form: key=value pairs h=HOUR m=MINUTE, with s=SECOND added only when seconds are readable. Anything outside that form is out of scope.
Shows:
h=4 m=47 s=40
